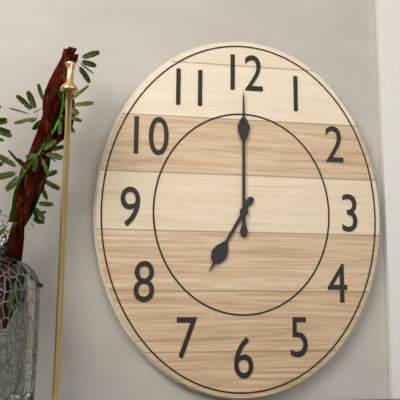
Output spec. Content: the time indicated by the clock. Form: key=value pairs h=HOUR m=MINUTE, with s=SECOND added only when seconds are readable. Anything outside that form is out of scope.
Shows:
h=7 m=0
